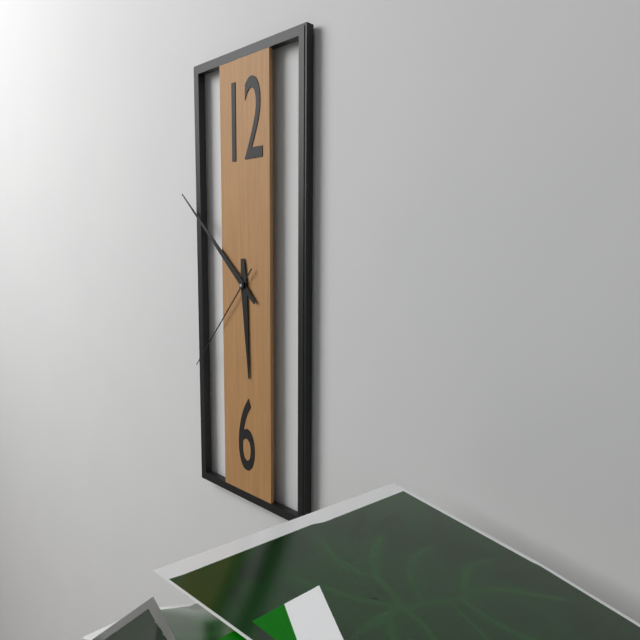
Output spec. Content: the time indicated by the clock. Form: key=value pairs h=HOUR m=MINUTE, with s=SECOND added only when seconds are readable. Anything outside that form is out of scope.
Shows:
h=5 m=52 s=37
